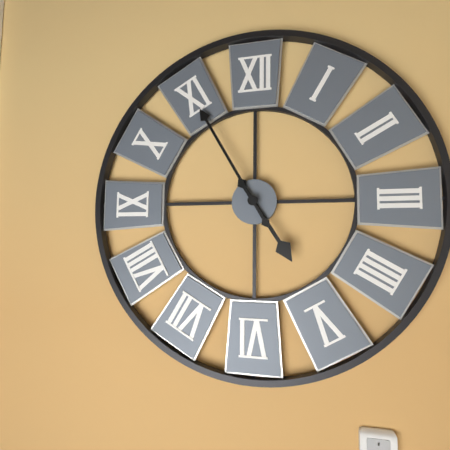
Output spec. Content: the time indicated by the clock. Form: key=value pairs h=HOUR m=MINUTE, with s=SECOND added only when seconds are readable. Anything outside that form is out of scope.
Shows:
h=4 m=55
